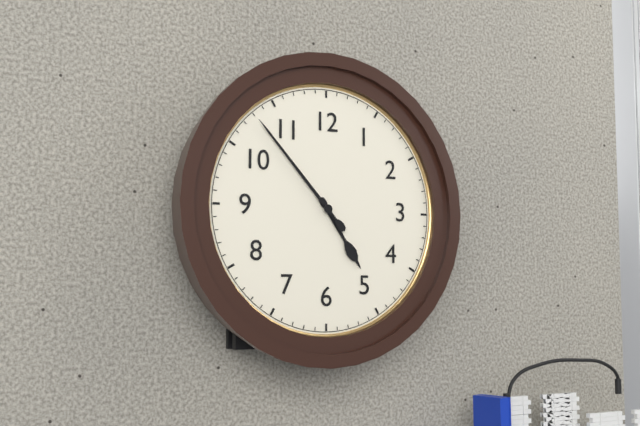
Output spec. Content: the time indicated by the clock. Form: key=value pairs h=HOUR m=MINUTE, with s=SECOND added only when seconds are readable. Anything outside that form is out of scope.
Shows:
h=4 m=53
